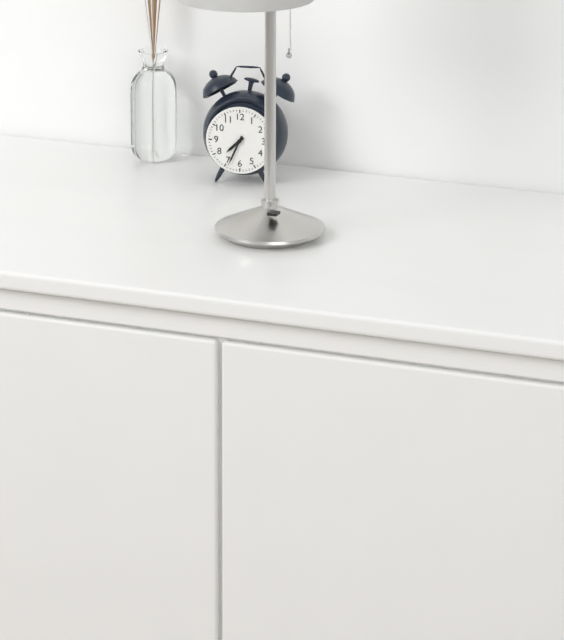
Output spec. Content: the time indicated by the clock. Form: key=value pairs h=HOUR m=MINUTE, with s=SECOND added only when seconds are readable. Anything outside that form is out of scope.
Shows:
h=7 m=34
